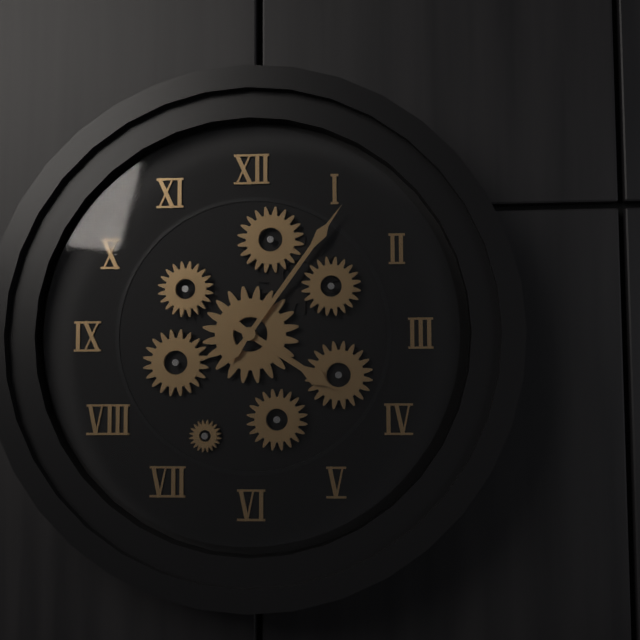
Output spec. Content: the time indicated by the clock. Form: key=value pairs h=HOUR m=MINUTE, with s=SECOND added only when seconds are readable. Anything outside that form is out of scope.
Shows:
h=4 m=6
